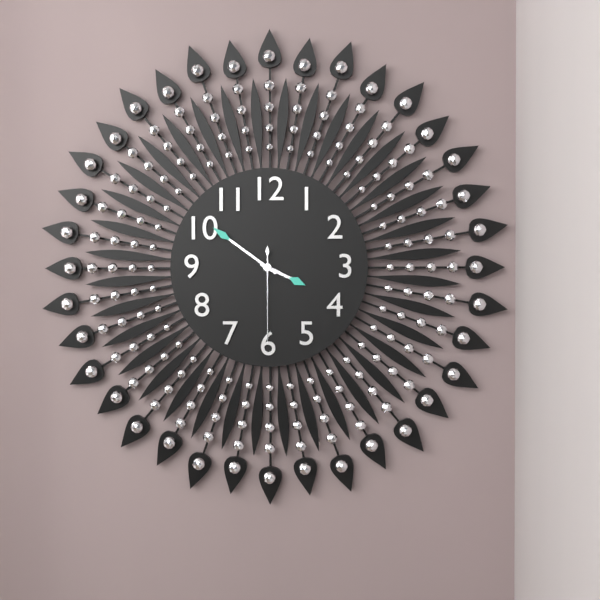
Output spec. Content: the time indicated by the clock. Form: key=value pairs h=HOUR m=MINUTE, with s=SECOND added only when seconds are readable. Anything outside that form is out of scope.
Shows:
h=3 m=51 s=30
